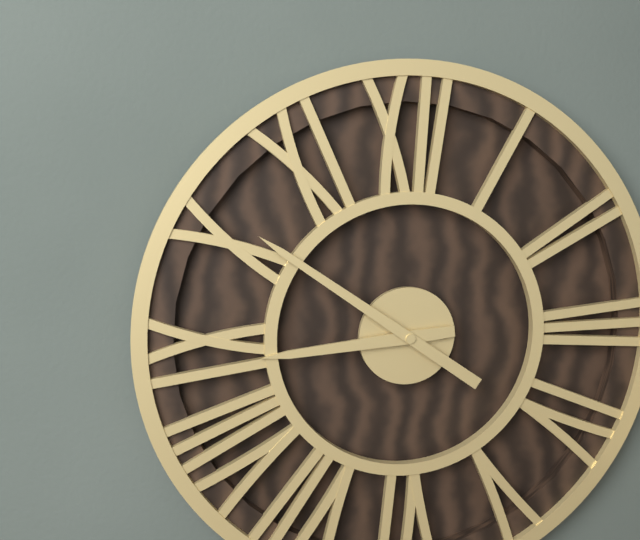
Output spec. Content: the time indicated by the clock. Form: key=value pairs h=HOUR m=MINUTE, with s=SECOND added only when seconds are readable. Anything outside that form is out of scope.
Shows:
h=8 m=51
